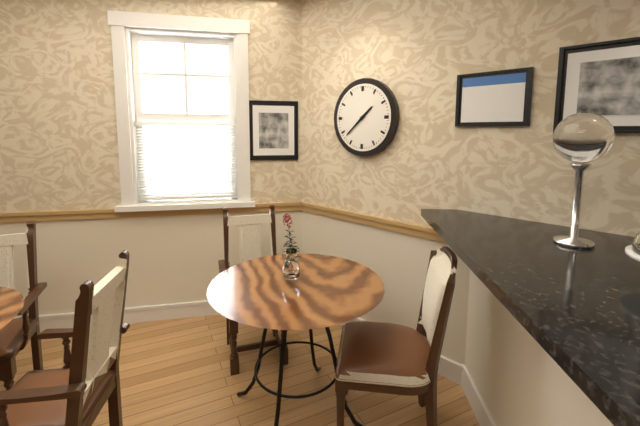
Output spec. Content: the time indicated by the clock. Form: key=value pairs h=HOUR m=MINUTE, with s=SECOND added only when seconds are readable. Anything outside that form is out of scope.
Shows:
h=1 m=38
